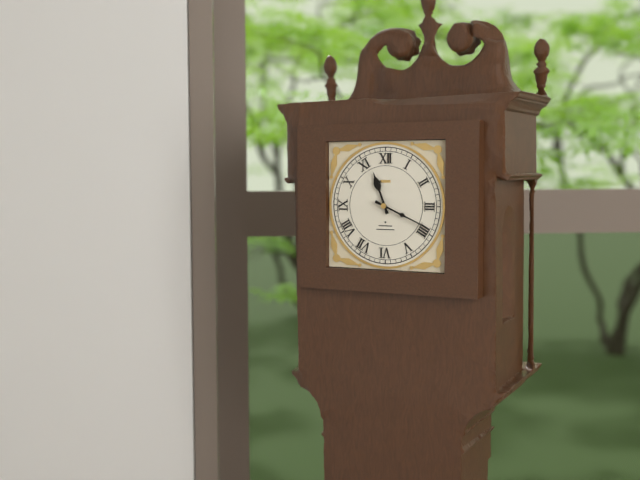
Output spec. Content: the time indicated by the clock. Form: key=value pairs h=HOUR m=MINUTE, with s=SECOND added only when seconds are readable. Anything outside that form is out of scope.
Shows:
h=11 m=19
